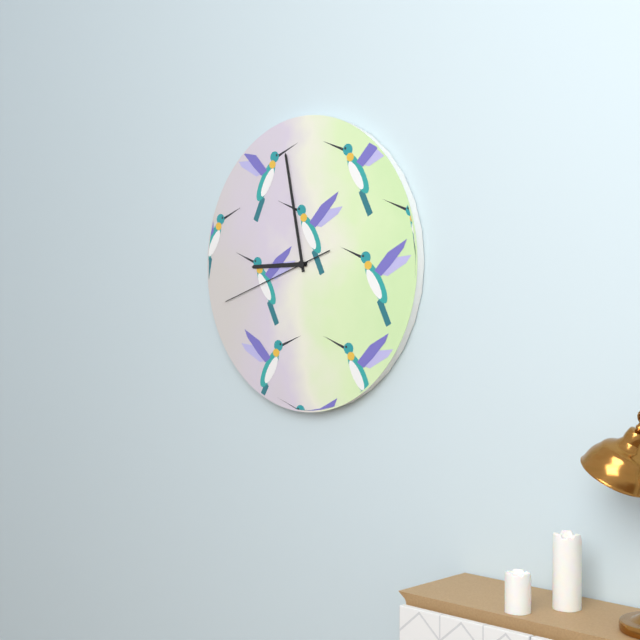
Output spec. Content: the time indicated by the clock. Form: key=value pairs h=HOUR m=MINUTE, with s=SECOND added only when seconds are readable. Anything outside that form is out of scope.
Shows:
h=8 m=58 s=42
